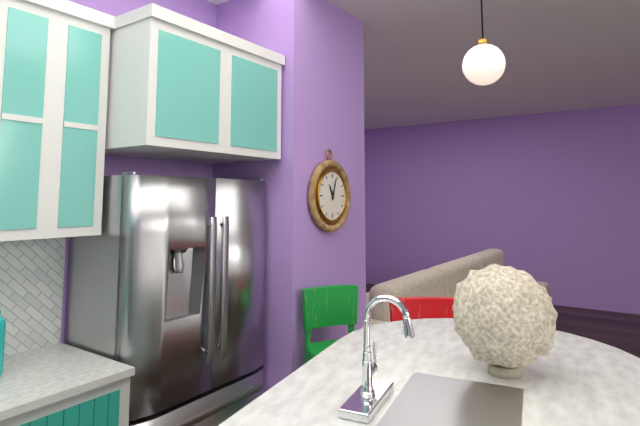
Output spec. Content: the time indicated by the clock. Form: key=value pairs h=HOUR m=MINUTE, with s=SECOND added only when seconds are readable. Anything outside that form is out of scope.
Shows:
h=11 m=3
